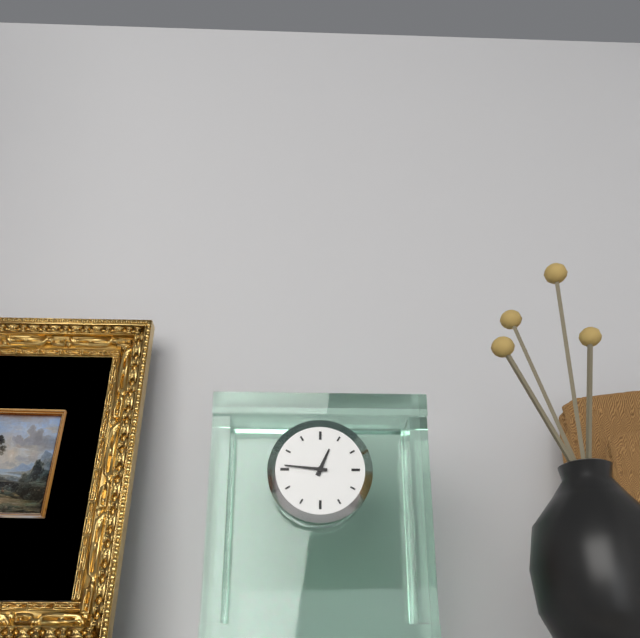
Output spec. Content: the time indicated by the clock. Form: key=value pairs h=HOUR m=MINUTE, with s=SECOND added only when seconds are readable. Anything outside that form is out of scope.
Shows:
h=12 m=46
